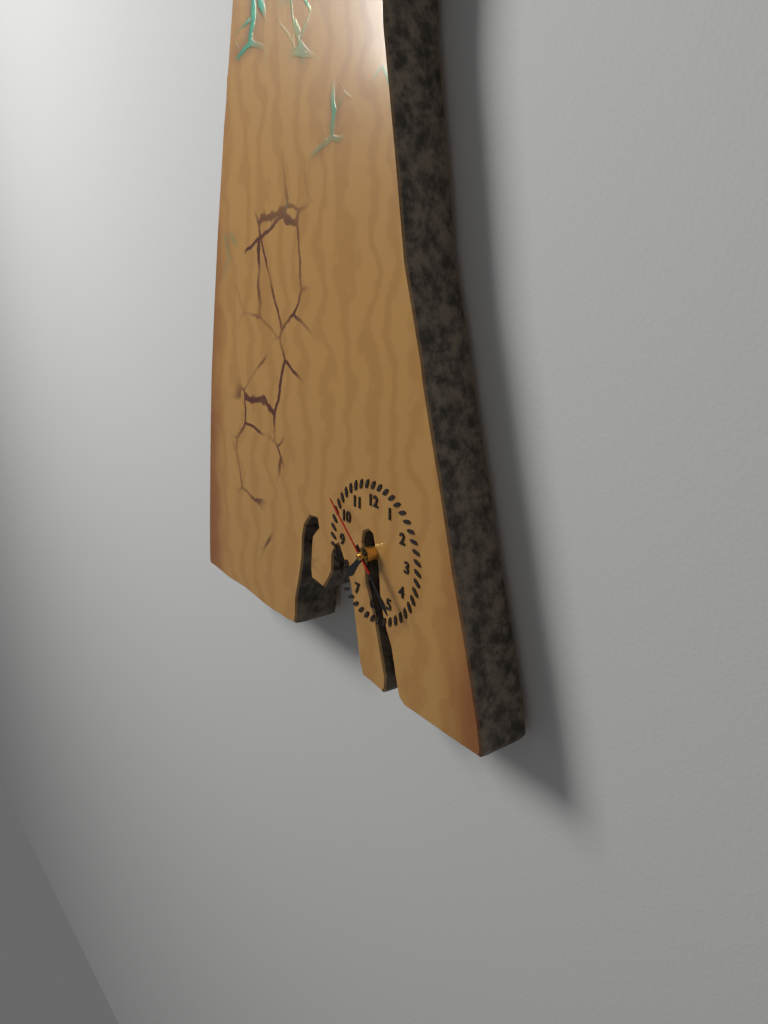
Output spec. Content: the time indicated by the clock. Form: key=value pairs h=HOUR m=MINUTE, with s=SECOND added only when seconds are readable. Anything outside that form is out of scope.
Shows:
h=7 m=23 s=52
